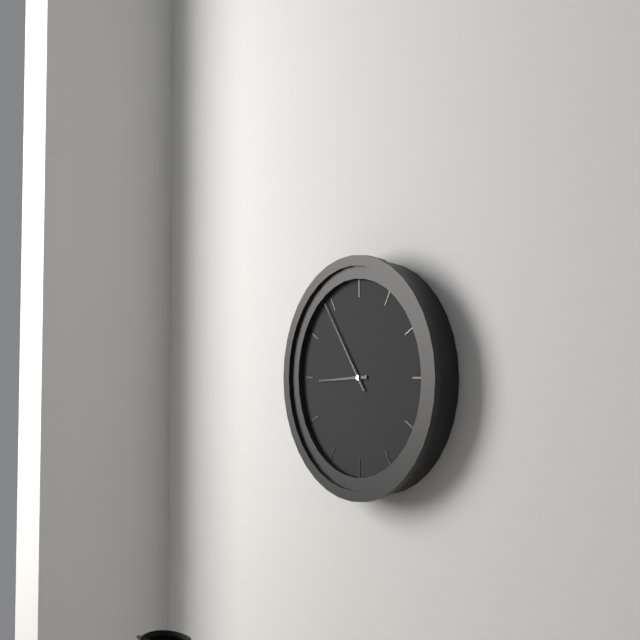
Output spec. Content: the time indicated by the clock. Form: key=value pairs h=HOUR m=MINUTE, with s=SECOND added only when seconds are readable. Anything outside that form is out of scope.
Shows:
h=8 m=54
